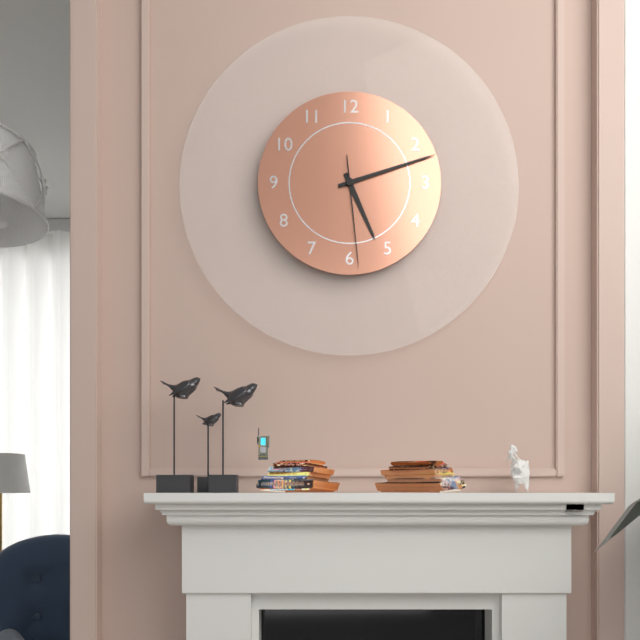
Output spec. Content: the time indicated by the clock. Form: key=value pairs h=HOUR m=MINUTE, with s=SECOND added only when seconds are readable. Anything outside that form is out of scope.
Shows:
h=5 m=12 s=29
